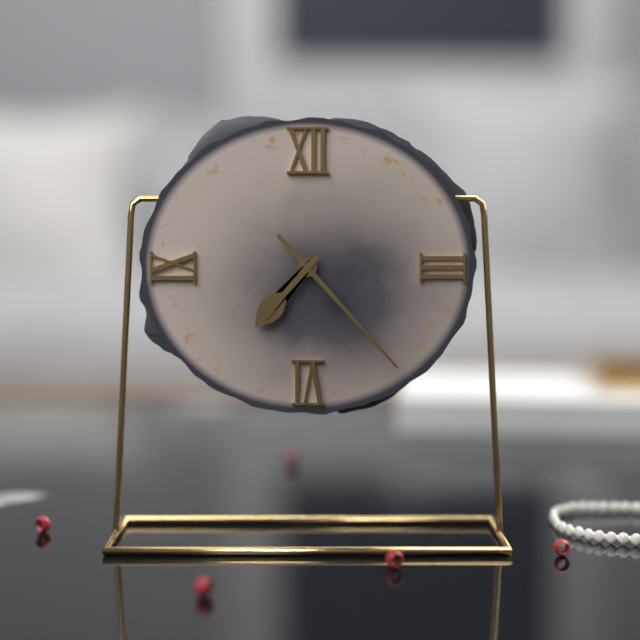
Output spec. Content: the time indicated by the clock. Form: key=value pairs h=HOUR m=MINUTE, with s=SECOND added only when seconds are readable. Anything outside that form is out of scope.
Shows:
h=7 m=23
